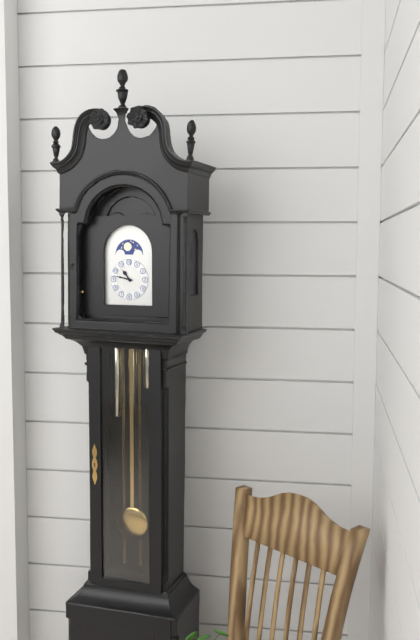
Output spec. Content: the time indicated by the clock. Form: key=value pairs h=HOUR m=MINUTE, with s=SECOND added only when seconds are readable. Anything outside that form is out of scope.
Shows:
h=10 m=47
